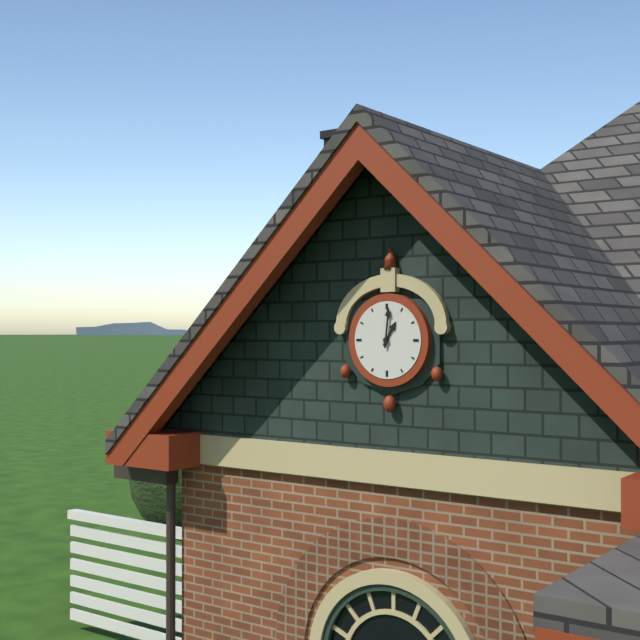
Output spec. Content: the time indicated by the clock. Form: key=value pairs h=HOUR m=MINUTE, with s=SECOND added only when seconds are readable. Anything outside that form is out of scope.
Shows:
h=1 m=1
